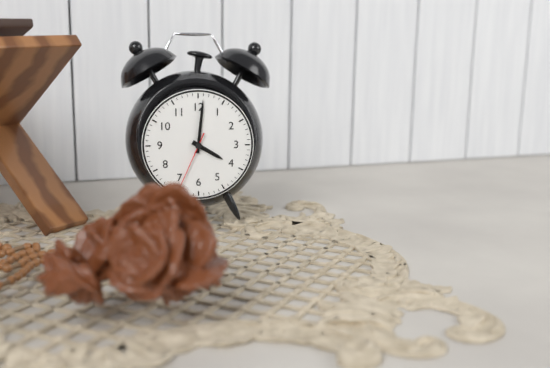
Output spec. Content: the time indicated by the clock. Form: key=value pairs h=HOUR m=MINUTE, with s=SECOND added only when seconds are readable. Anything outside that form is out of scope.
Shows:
h=4 m=1 s=34
